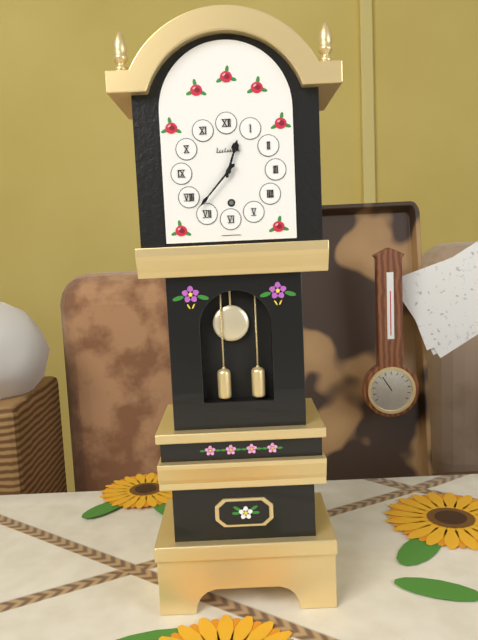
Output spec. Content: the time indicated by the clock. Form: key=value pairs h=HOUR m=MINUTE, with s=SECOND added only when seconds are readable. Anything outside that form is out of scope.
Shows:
h=12 m=37
